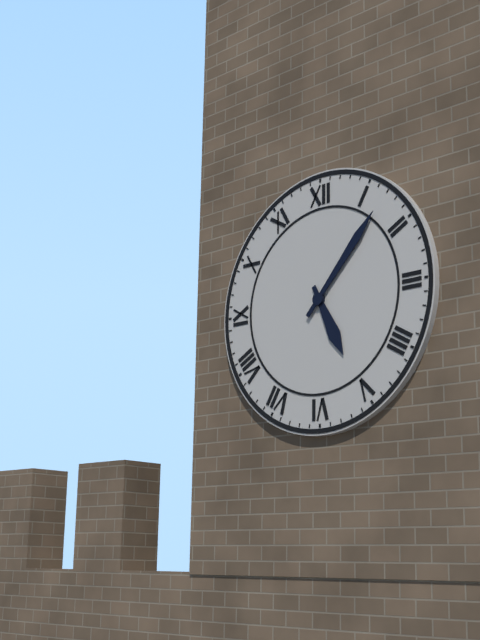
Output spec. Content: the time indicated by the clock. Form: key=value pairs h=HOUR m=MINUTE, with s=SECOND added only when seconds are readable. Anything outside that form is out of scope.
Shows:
h=5 m=7
